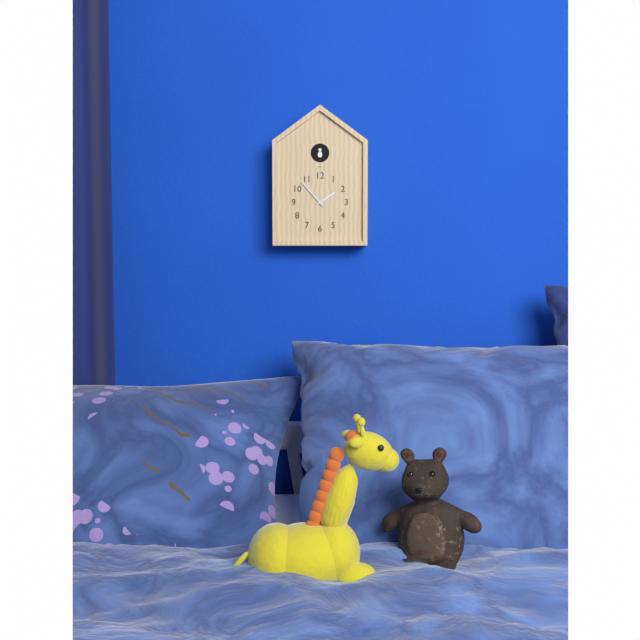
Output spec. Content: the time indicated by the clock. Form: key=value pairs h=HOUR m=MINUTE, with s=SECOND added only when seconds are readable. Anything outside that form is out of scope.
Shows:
h=1 m=53
